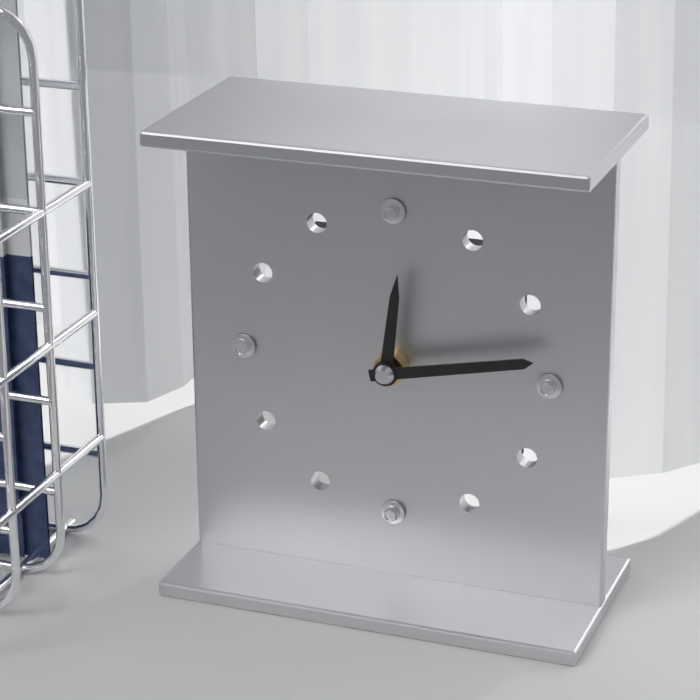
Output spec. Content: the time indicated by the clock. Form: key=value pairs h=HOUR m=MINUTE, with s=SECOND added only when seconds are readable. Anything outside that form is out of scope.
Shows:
h=12 m=13
